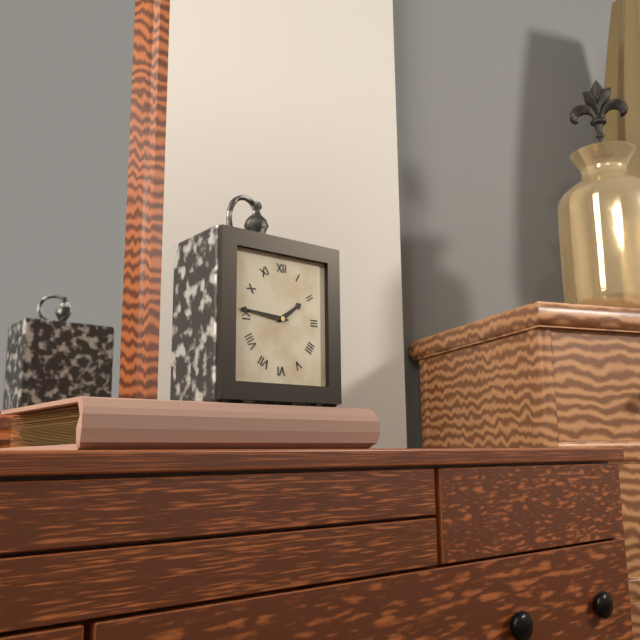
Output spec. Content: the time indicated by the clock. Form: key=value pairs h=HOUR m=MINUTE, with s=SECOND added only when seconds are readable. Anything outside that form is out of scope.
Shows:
h=1 m=46
